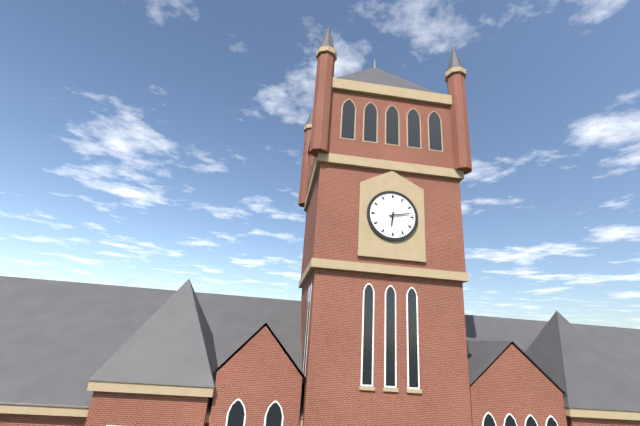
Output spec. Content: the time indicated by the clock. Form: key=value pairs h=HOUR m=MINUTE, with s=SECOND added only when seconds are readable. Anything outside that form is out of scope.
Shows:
h=6 m=13
